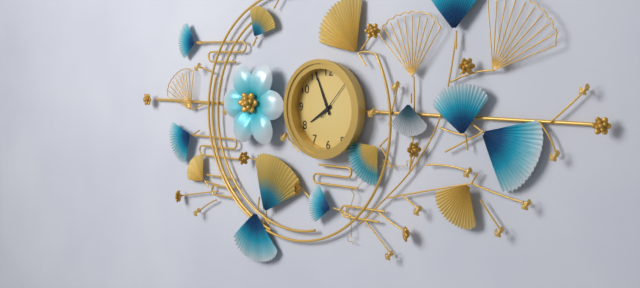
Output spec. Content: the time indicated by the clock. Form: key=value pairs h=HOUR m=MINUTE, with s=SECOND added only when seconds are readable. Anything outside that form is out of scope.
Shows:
h=7 m=56
